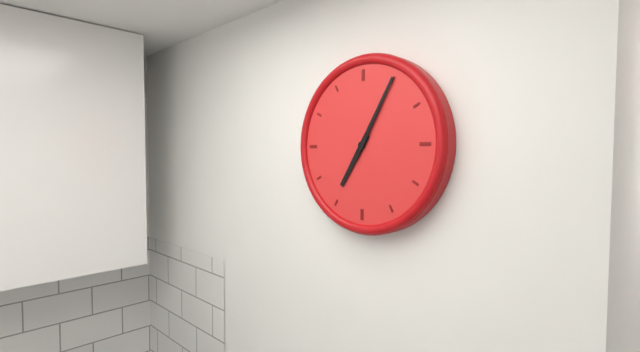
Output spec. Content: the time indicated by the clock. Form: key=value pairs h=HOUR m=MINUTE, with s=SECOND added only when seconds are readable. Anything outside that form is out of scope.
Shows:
h=7 m=5
